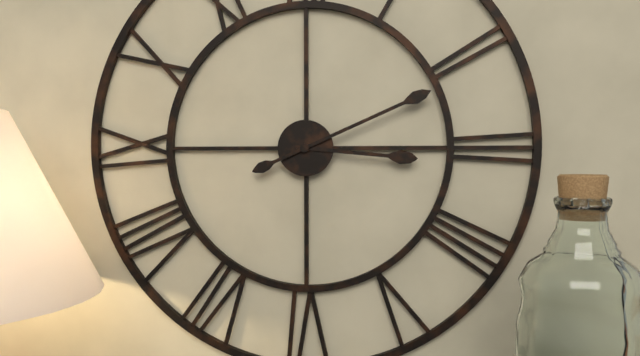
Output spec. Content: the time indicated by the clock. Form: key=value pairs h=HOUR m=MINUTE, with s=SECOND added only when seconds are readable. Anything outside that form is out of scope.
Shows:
h=3 m=11
